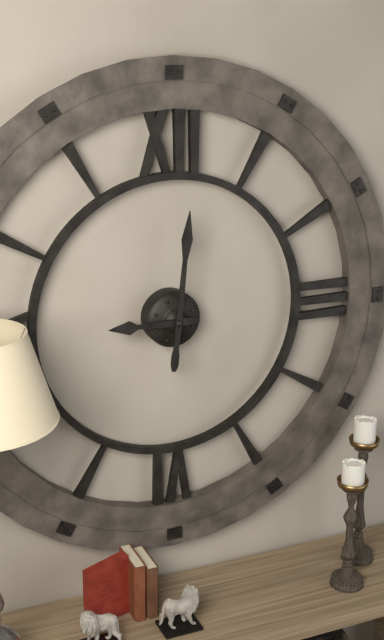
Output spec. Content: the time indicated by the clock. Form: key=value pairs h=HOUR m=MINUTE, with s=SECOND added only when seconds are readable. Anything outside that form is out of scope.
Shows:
h=9 m=1
